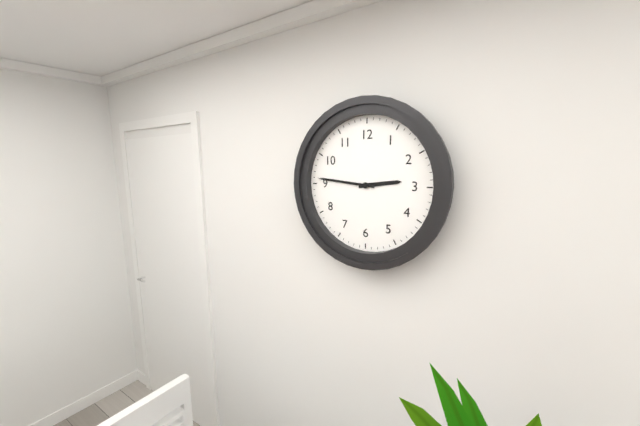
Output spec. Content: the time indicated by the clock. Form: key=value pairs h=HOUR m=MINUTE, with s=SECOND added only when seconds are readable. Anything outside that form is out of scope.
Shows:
h=2 m=46
